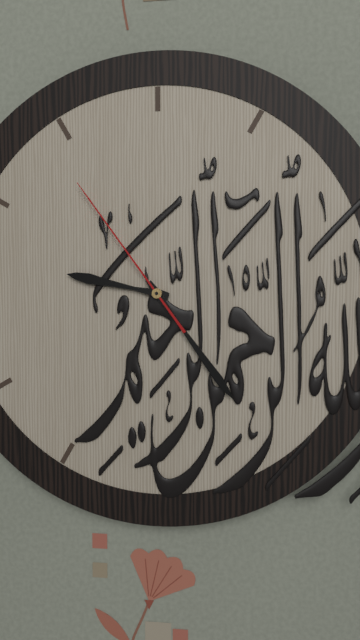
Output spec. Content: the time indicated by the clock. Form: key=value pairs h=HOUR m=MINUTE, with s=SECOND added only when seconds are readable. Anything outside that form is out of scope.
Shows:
h=9 m=24 s=54
